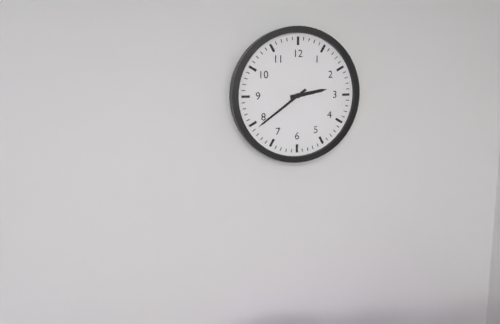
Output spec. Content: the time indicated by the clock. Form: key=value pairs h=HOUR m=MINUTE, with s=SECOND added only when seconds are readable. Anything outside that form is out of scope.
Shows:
h=2 m=39
